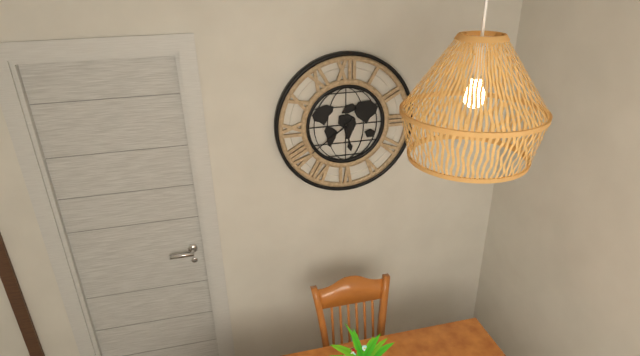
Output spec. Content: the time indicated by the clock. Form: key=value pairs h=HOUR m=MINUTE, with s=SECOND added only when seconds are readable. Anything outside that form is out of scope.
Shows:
h=5 m=39
